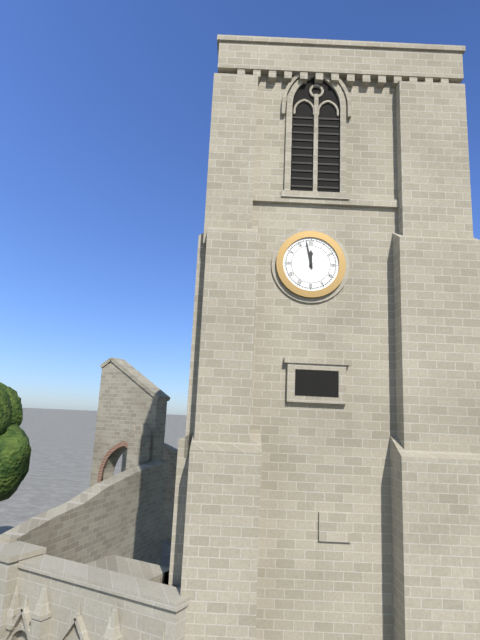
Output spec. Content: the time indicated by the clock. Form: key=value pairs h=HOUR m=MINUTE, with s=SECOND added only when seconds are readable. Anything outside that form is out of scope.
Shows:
h=11 m=58
